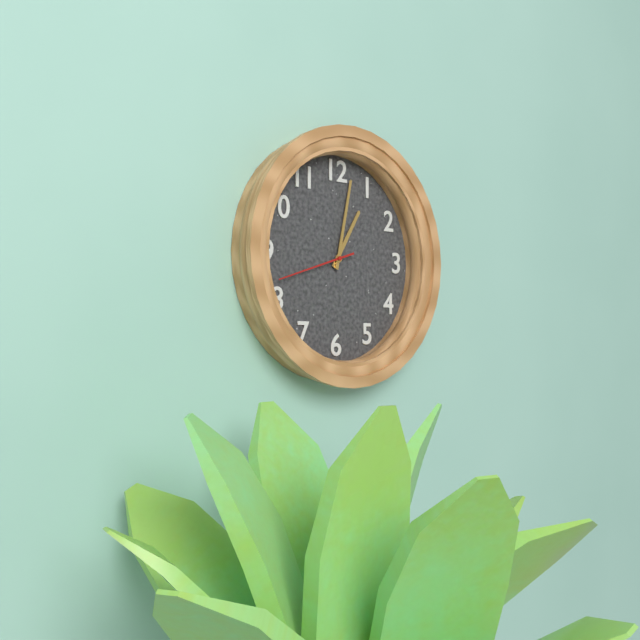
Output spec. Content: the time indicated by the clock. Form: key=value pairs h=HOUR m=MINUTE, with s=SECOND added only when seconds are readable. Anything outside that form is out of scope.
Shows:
h=1 m=2 s=42
